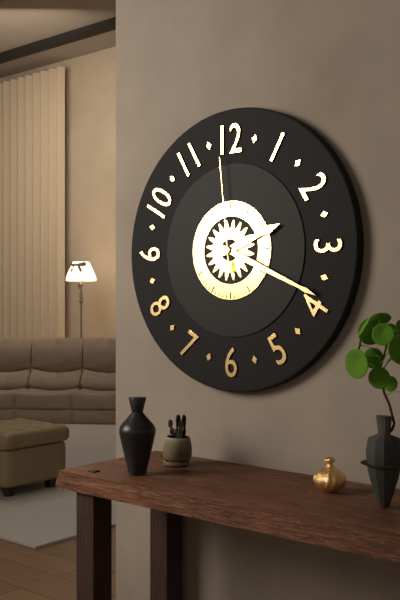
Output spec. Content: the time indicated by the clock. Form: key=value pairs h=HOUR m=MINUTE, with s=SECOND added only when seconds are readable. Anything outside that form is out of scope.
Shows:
h=2 m=19 s=59
